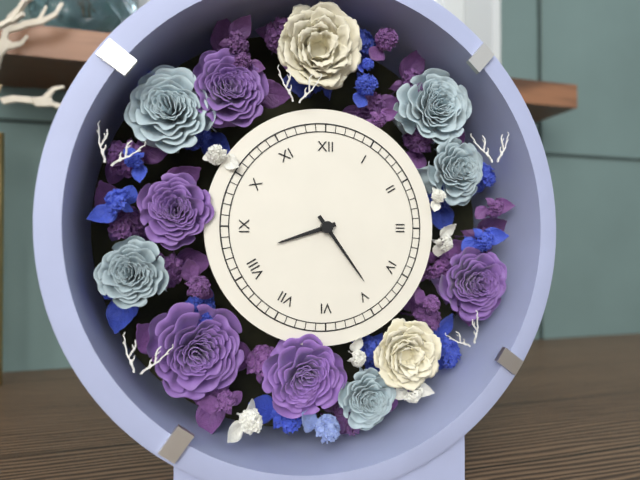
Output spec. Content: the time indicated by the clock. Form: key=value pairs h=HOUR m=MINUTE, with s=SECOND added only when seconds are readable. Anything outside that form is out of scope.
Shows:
h=8 m=24
